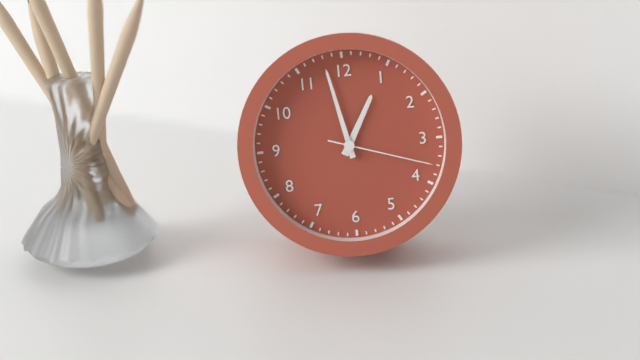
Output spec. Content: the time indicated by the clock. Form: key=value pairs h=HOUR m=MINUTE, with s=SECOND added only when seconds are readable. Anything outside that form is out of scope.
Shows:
h=12 m=58 s=18
